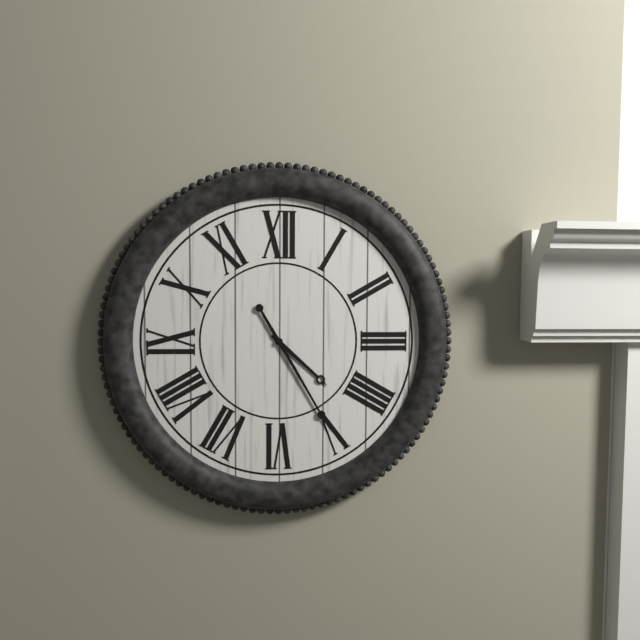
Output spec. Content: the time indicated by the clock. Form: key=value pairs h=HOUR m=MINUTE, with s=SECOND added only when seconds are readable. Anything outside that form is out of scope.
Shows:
h=4 m=25
